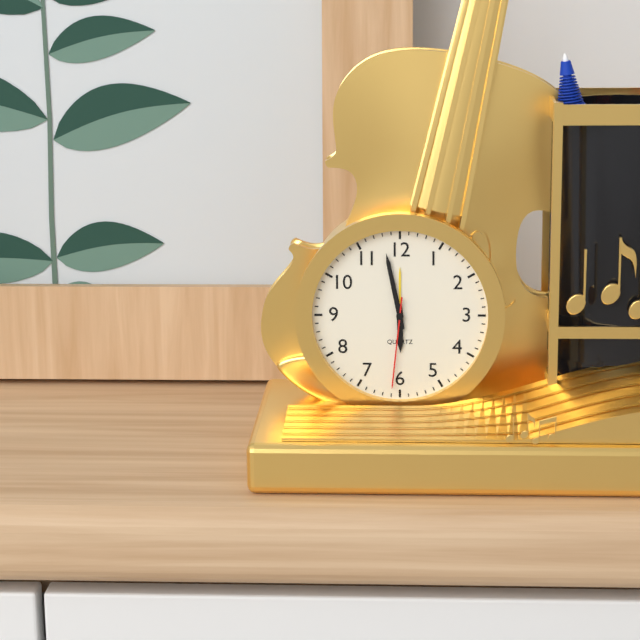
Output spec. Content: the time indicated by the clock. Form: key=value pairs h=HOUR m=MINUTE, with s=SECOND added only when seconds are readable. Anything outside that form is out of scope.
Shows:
h=5 m=58 s=31
